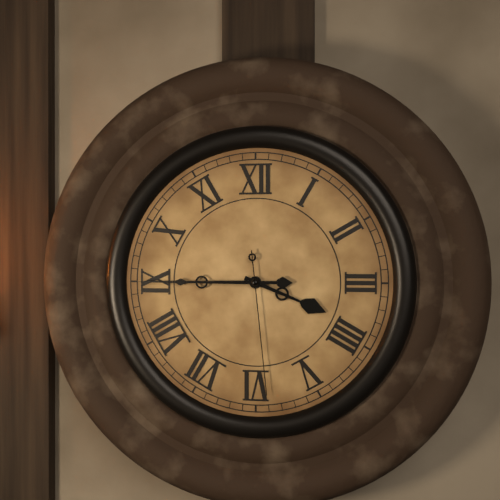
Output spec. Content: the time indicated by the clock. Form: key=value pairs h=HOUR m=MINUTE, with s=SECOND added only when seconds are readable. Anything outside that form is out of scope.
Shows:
h=3 m=45 s=29
